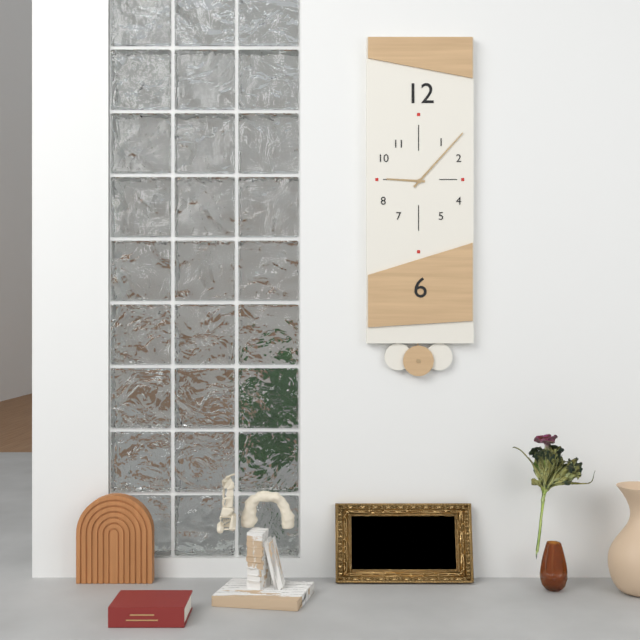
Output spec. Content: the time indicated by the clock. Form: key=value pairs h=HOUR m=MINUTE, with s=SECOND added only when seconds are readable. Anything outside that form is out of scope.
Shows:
h=9 m=7
